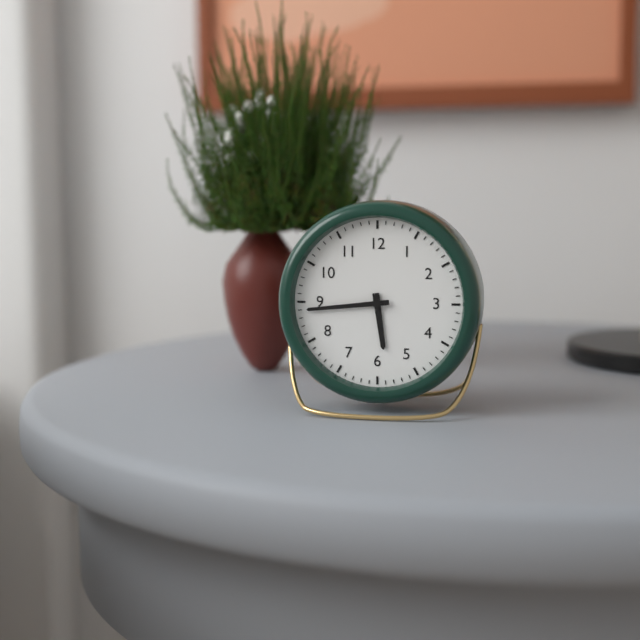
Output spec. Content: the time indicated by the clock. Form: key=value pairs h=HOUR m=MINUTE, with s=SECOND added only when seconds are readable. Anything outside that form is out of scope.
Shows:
h=5 m=44
